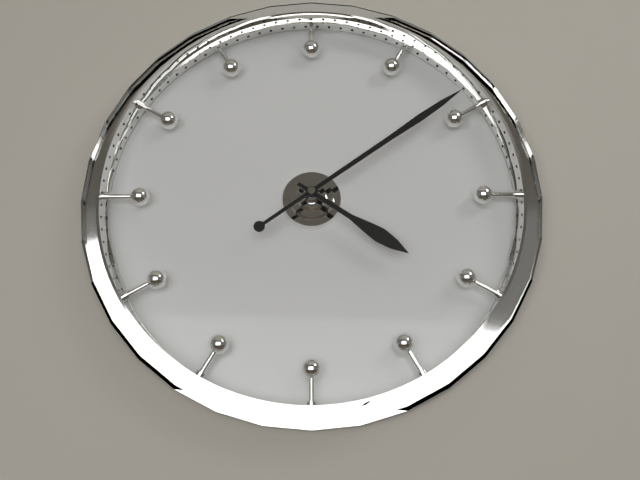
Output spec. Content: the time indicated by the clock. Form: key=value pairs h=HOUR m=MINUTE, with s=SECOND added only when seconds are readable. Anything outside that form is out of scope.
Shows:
h=4 m=9
